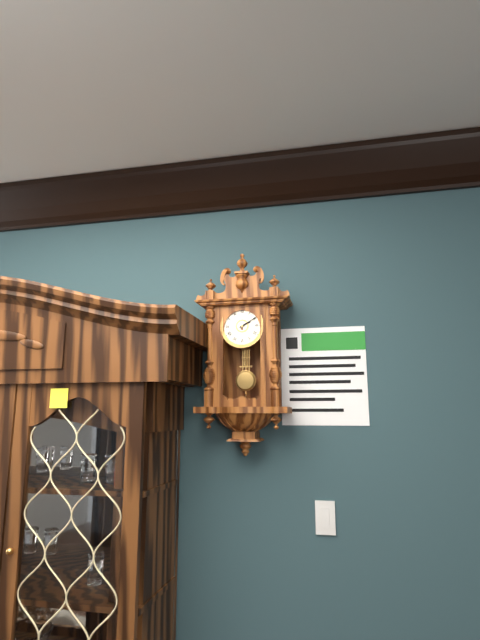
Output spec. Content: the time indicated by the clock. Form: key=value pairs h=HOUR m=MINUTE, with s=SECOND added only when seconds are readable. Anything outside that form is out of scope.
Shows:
h=2 m=10
